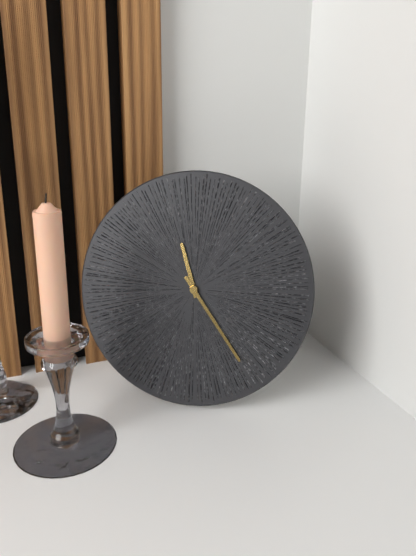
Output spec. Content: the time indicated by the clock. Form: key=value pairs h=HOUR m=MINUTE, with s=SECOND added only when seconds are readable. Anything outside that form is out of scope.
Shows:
h=11 m=24
